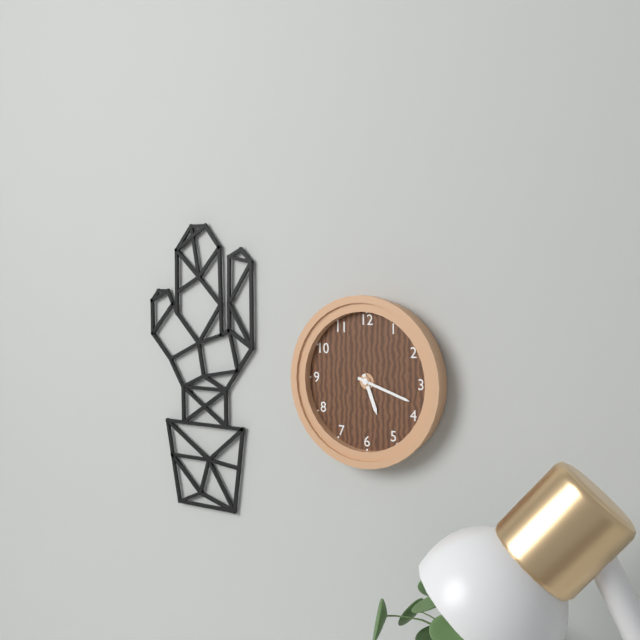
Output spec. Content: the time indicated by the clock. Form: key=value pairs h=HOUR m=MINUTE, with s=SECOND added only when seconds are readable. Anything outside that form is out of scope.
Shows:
h=5 m=18
